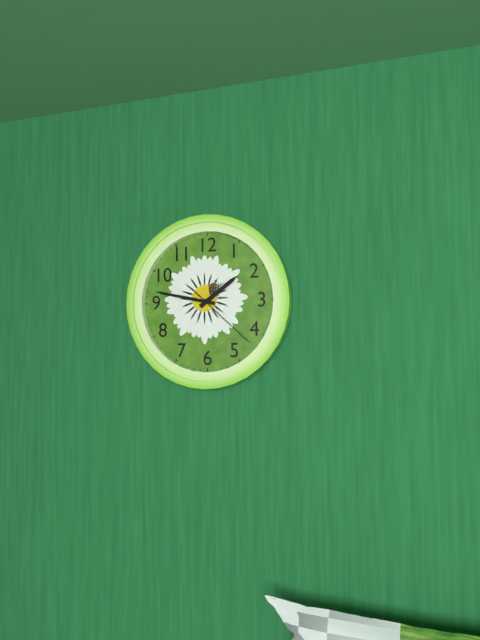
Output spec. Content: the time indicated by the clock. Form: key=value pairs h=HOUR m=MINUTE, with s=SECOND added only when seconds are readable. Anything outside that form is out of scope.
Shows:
h=1 m=47 s=22
